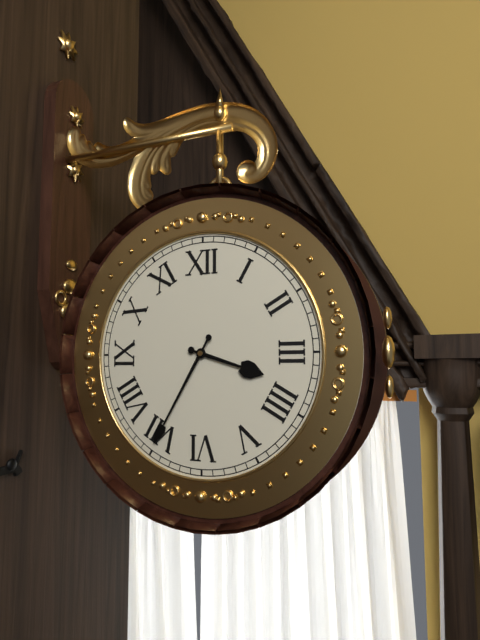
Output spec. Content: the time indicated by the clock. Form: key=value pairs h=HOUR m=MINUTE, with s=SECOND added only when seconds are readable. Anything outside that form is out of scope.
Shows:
h=3 m=35
